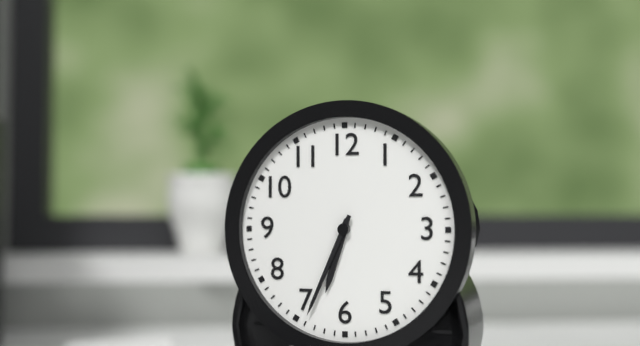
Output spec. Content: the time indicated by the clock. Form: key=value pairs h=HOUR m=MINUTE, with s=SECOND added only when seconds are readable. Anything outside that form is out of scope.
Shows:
h=6 m=34
